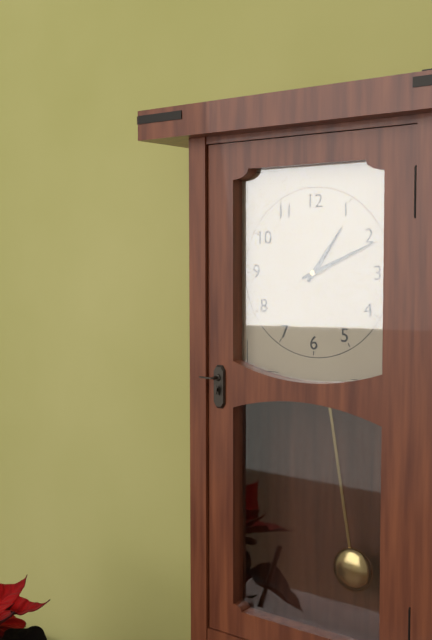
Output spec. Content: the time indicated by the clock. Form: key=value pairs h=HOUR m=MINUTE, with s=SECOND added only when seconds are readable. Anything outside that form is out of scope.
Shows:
h=1 m=11
